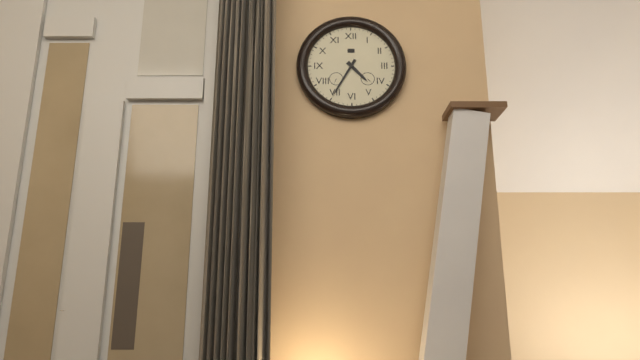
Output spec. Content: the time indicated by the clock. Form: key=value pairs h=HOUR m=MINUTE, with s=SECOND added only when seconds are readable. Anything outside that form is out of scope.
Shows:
h=4 m=35
